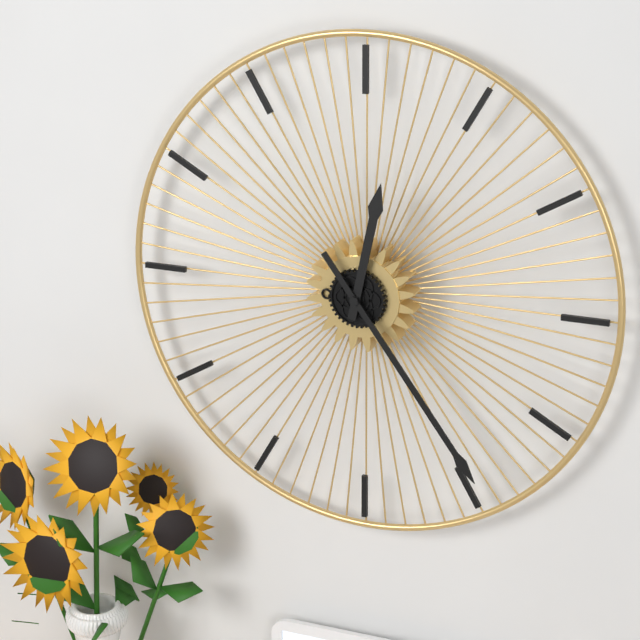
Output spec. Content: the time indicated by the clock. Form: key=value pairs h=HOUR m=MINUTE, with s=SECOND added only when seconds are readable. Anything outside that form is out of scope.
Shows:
h=12 m=24
